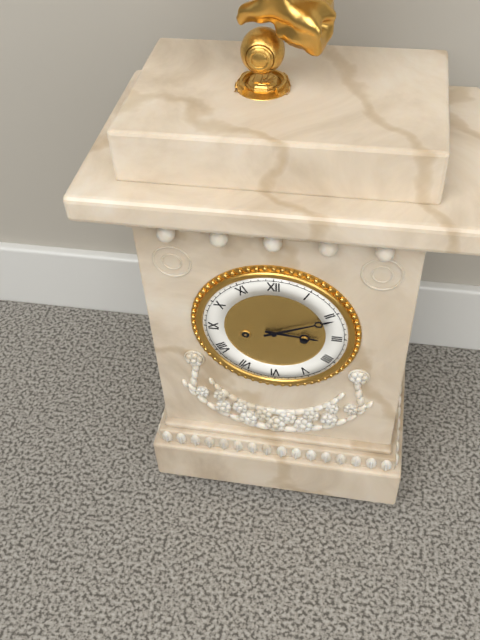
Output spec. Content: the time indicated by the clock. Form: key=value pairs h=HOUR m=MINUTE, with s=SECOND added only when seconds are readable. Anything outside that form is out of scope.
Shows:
h=3 m=11
